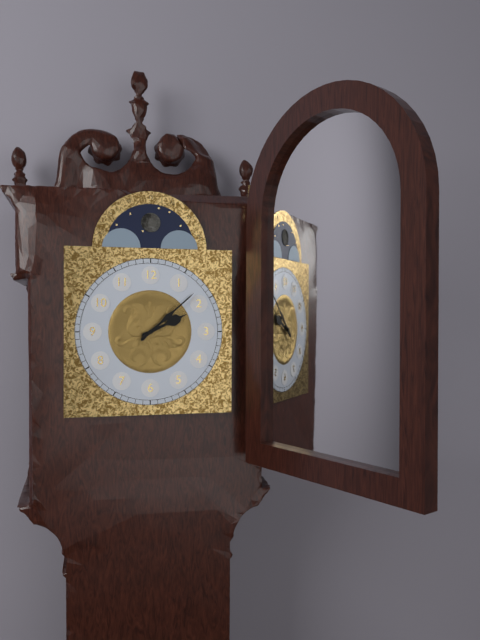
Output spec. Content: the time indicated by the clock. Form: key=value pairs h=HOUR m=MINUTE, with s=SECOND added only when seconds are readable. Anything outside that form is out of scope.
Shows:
h=2 m=8
